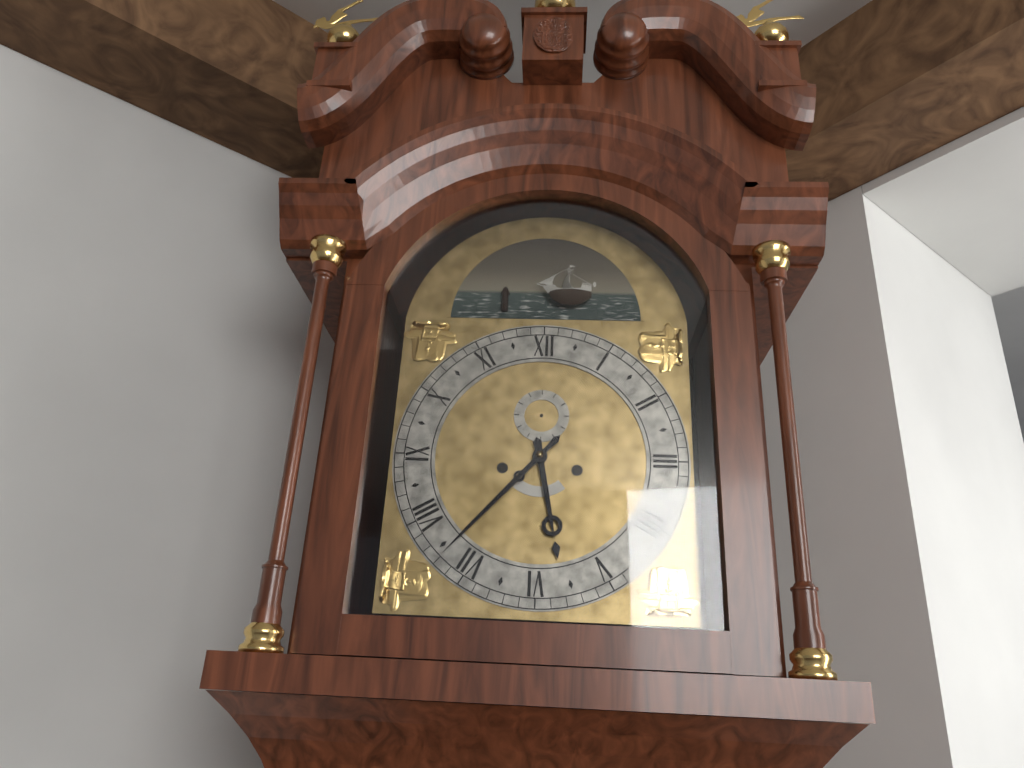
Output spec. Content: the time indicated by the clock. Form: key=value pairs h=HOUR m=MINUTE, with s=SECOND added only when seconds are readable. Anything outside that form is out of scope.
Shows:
h=5 m=37
